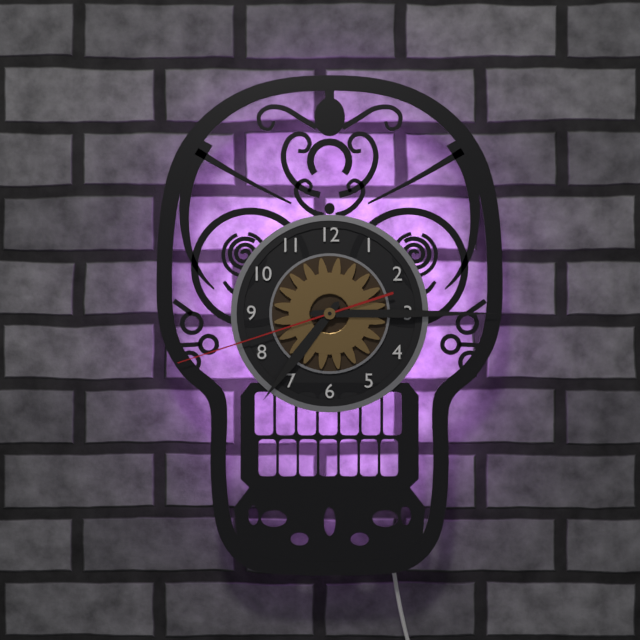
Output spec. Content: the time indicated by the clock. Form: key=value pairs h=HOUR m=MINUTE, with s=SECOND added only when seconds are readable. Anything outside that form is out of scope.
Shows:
h=7 m=15 s=42
